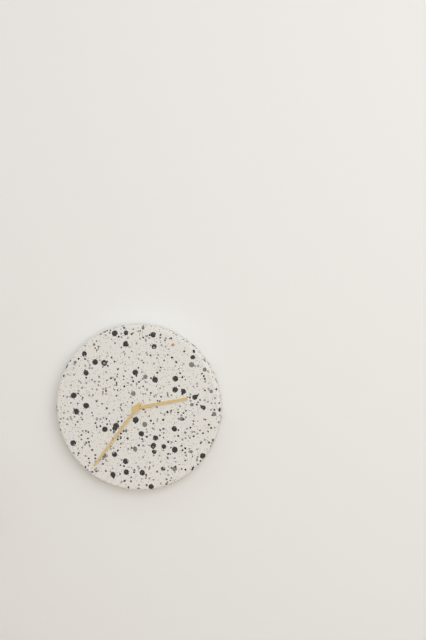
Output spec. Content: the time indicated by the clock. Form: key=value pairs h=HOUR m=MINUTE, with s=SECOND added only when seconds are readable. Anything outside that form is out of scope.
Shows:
h=2 m=36
